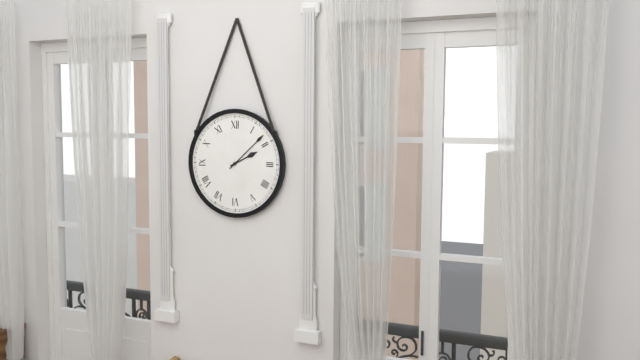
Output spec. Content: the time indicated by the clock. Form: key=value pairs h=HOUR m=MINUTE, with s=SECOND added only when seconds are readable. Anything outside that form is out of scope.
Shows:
h=2 m=8
